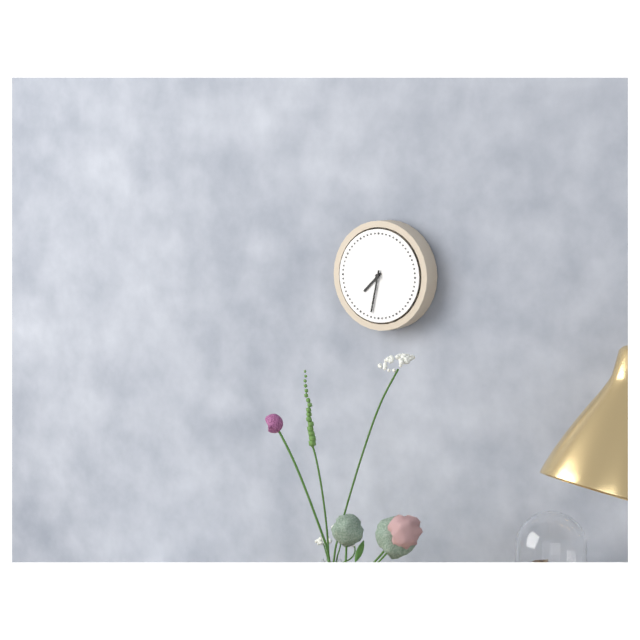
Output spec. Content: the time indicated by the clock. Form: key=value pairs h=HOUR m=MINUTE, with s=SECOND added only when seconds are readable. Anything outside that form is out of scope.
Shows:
h=7 m=32
